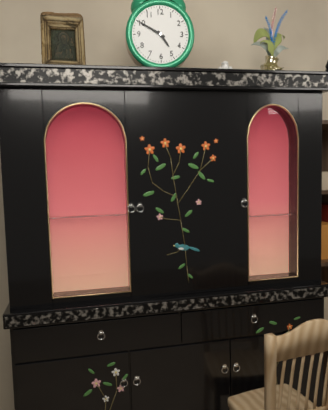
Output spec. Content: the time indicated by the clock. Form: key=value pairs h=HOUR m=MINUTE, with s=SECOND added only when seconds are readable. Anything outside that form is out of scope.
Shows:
h=4 m=50
